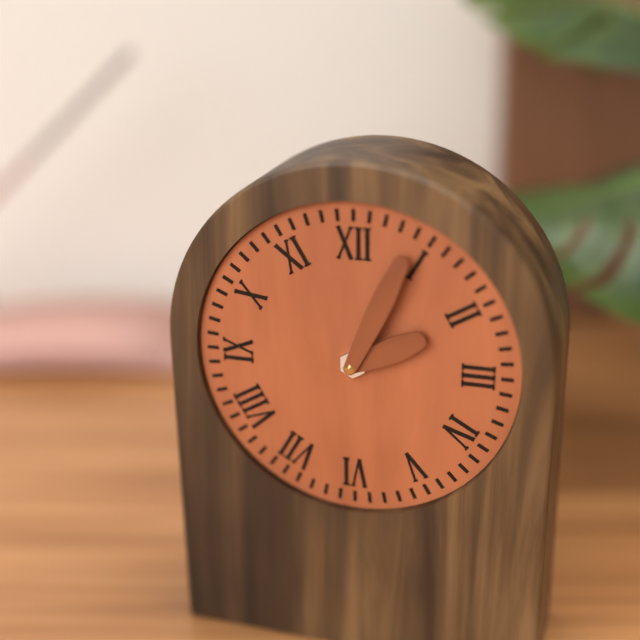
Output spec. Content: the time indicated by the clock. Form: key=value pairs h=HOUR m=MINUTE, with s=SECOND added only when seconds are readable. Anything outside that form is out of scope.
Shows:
h=2 m=4
